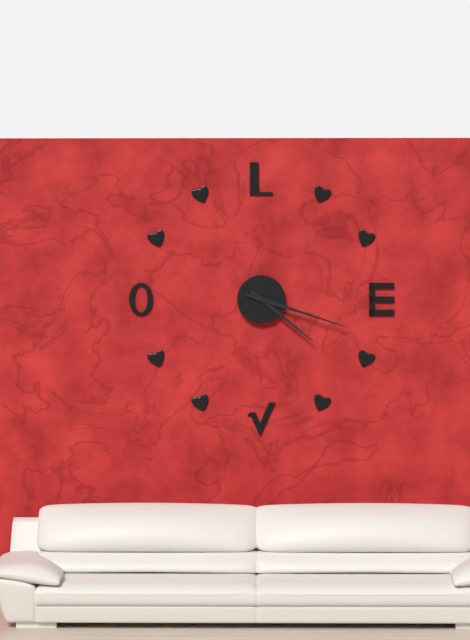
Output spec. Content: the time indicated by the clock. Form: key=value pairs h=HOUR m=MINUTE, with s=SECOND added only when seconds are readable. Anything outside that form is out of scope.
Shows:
h=4 m=18
